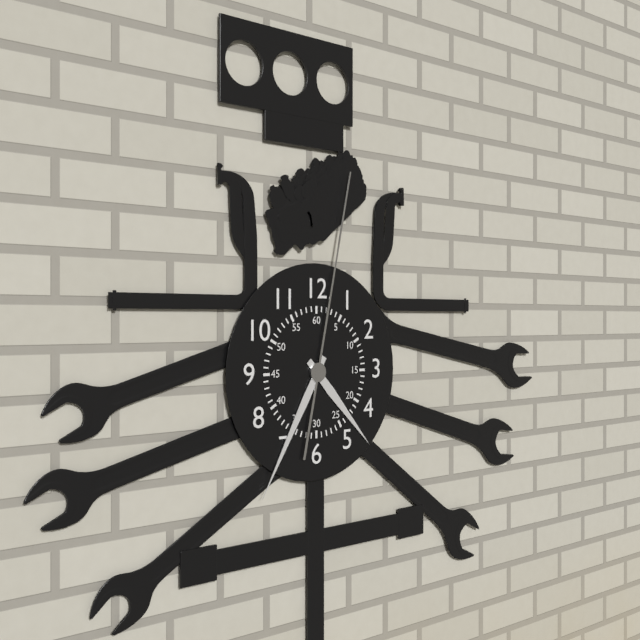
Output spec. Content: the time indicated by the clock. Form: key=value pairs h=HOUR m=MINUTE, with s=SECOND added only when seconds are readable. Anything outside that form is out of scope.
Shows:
h=4 m=35 s=2
